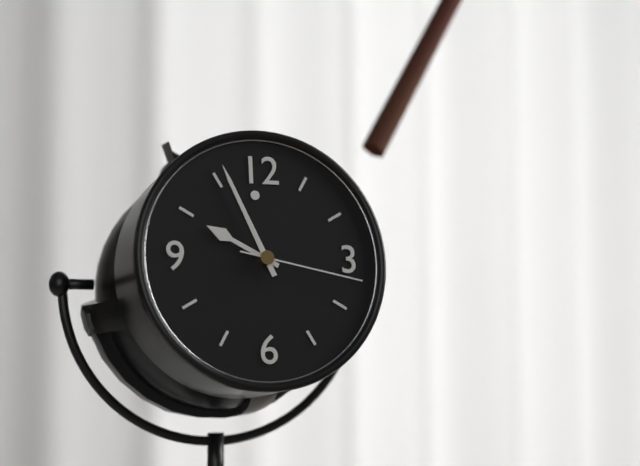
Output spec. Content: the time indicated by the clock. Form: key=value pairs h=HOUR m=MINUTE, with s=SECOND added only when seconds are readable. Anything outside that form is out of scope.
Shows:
h=9 m=56 s=17
